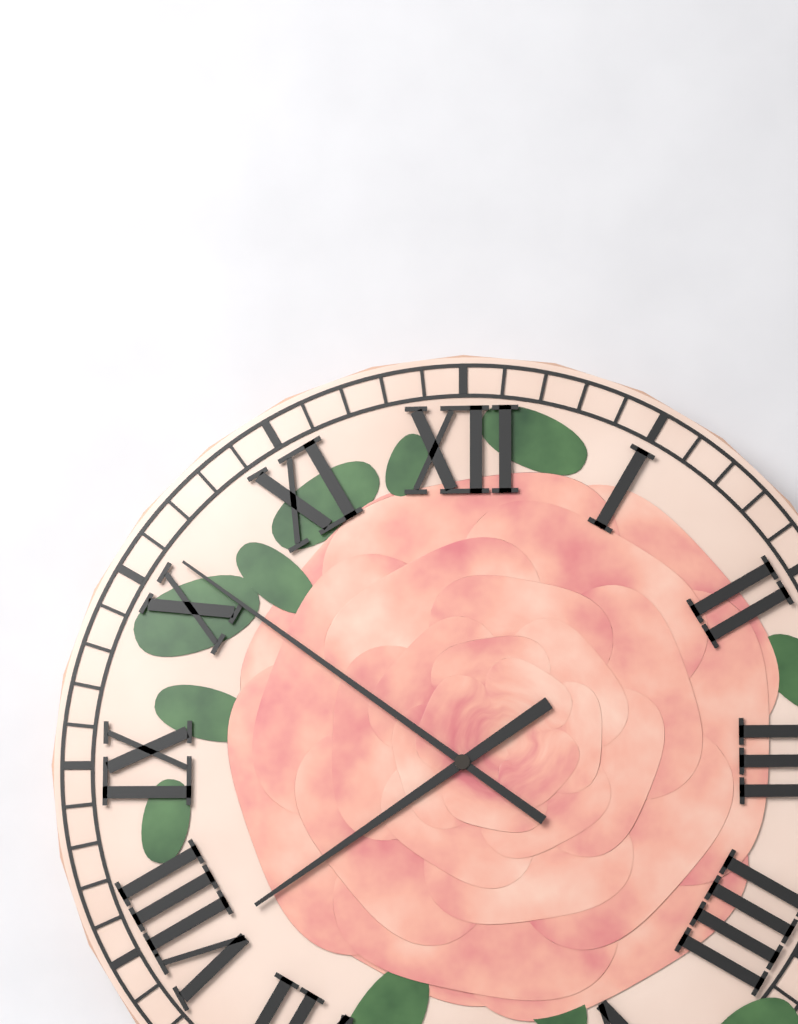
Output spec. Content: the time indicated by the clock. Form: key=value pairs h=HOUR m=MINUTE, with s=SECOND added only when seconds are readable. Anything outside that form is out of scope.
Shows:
h=7 m=51
